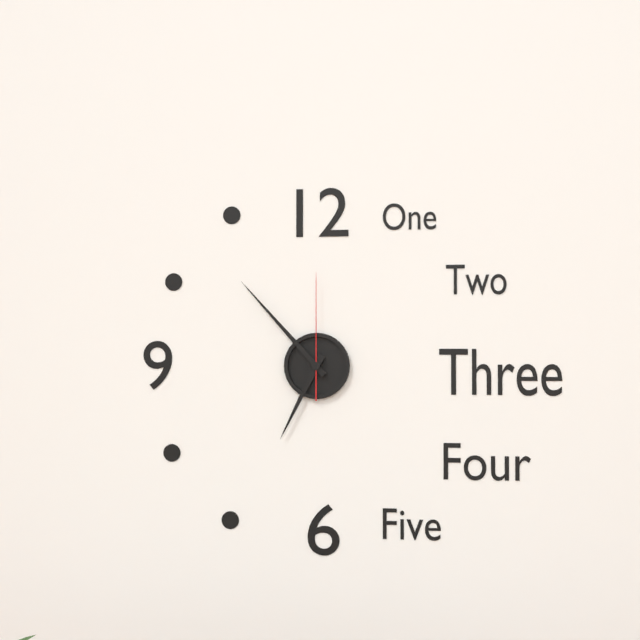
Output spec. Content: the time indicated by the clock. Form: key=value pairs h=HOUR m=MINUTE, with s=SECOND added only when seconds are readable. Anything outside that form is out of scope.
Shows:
h=6 m=53 s=0
